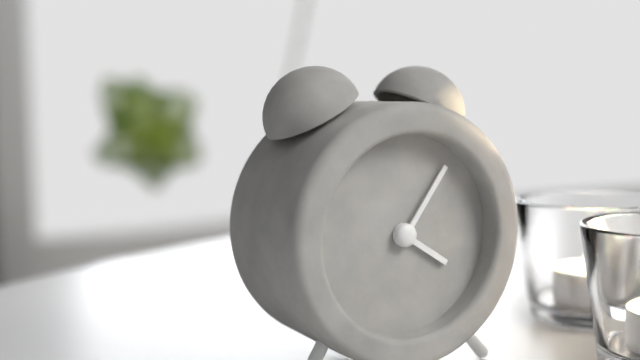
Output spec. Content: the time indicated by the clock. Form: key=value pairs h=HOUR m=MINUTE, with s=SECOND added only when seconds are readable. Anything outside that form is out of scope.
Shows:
h=4 m=6
